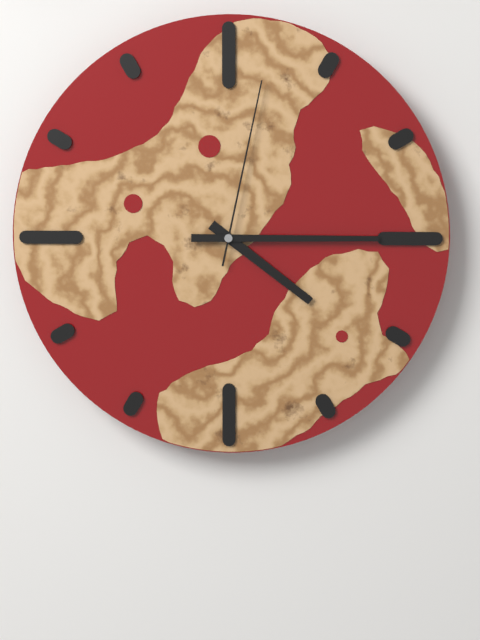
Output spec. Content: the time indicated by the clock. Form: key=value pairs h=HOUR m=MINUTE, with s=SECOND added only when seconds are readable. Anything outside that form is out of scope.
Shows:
h=4 m=15 s=2
